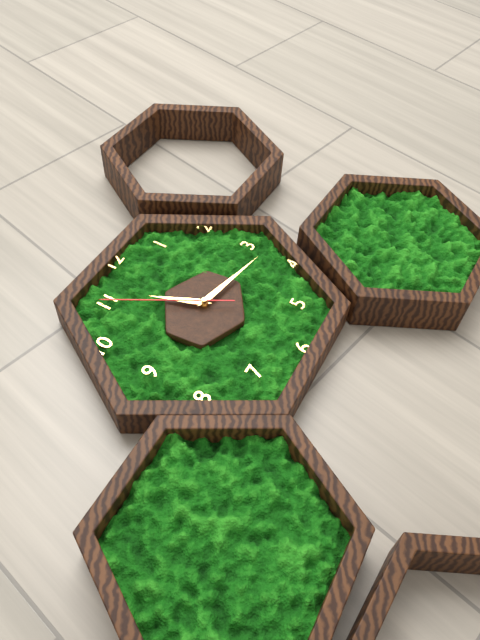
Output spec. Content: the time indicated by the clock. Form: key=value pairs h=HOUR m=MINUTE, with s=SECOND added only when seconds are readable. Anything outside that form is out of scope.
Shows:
h=11 m=17 s=55
